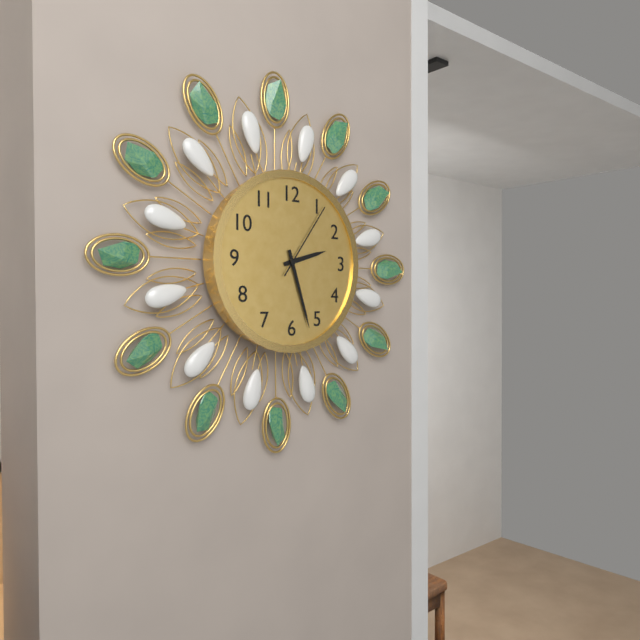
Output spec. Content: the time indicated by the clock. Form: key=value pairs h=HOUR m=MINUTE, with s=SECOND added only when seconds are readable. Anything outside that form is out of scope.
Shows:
h=2 m=27 s=6
